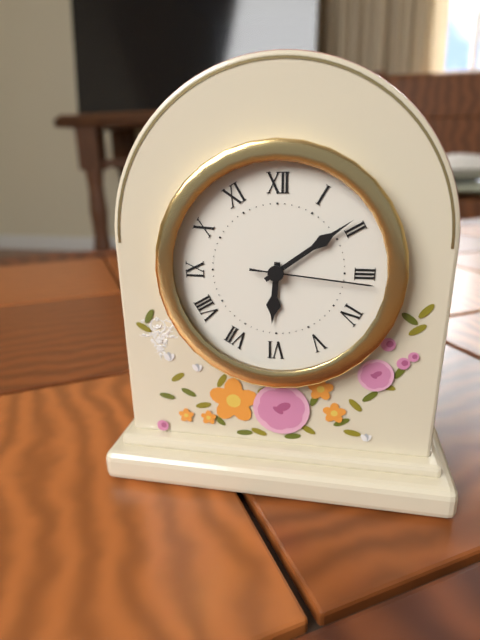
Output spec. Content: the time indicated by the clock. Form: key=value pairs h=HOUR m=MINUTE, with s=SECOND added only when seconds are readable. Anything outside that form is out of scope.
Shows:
h=6 m=9 s=16
